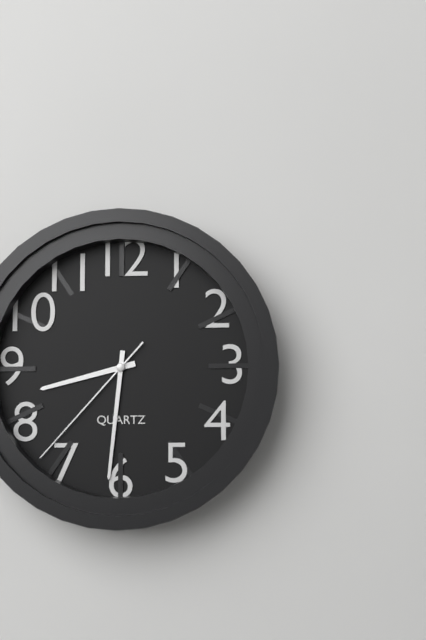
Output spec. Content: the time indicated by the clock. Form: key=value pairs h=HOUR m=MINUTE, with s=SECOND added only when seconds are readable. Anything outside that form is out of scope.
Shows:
h=8 m=31 s=37
